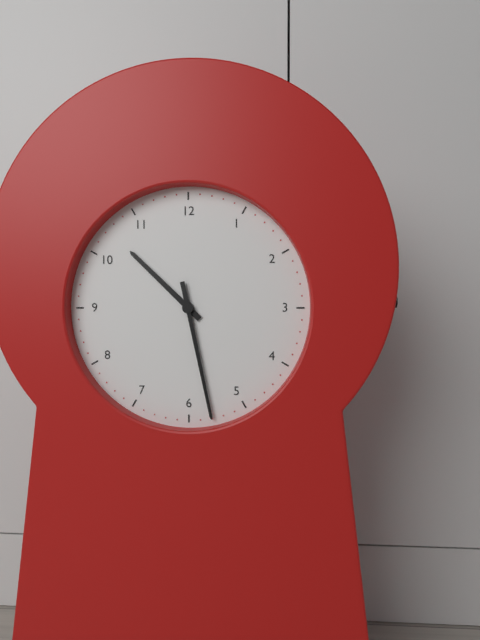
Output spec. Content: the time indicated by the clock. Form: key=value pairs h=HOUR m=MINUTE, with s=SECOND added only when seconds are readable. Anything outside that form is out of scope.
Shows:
h=10 m=28
